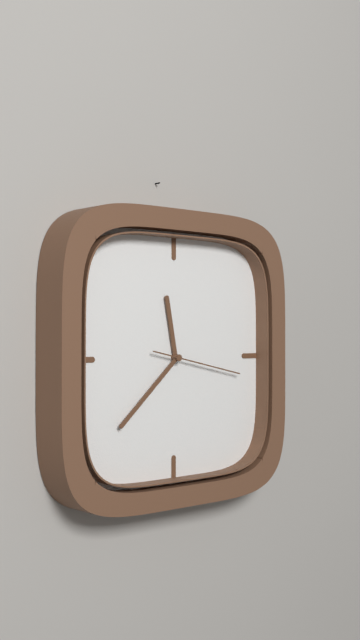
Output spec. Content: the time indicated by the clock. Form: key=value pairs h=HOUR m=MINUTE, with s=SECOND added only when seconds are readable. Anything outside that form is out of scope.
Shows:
h=11 m=38 s=17
